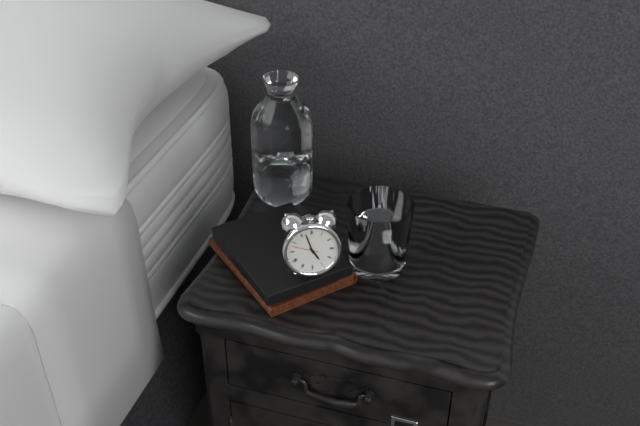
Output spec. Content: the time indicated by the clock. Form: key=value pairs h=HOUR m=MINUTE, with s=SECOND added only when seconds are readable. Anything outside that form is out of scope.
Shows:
h=4 m=57
